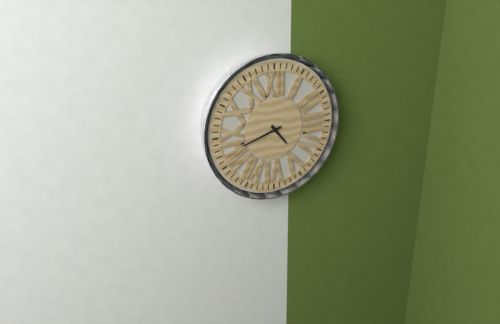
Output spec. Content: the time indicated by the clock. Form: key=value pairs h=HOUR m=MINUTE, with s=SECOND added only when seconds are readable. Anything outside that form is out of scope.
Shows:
h=4 m=42
